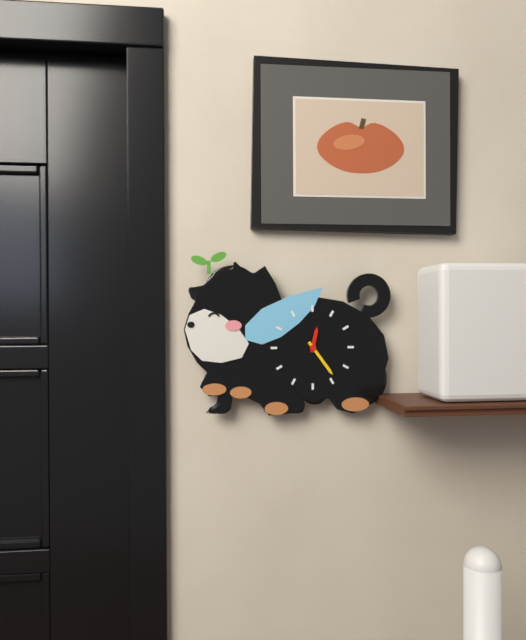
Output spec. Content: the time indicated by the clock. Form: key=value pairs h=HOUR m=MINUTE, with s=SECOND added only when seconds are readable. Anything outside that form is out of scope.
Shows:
h=12 m=24
